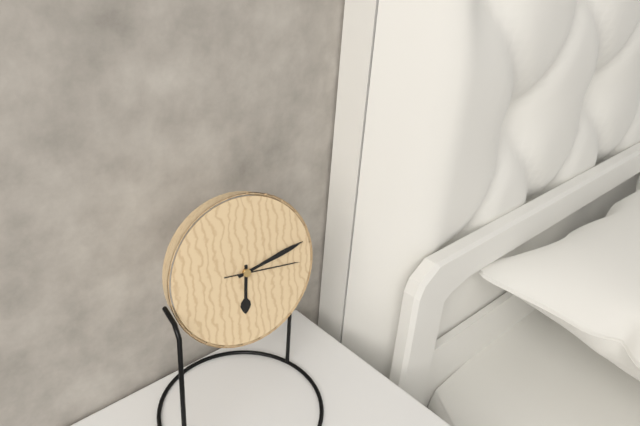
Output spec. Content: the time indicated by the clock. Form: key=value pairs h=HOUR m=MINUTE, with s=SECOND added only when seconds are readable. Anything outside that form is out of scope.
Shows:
h=6 m=13 s=16
